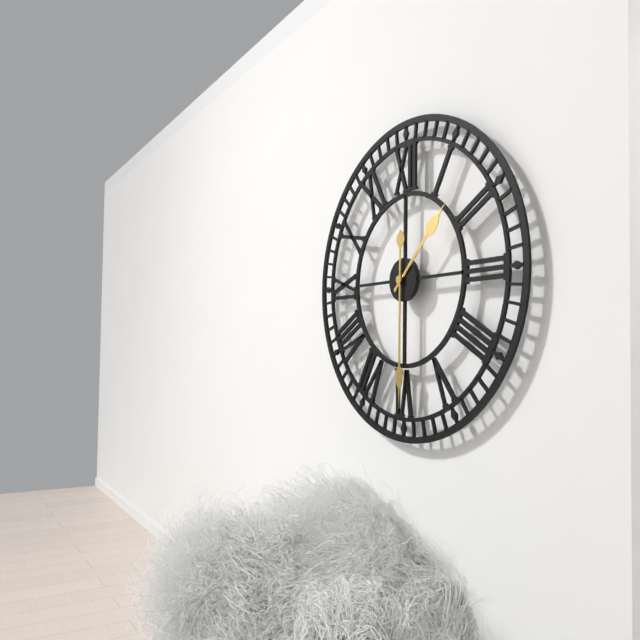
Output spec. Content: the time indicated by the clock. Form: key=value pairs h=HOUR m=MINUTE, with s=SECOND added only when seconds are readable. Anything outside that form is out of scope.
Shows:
h=1 m=30
